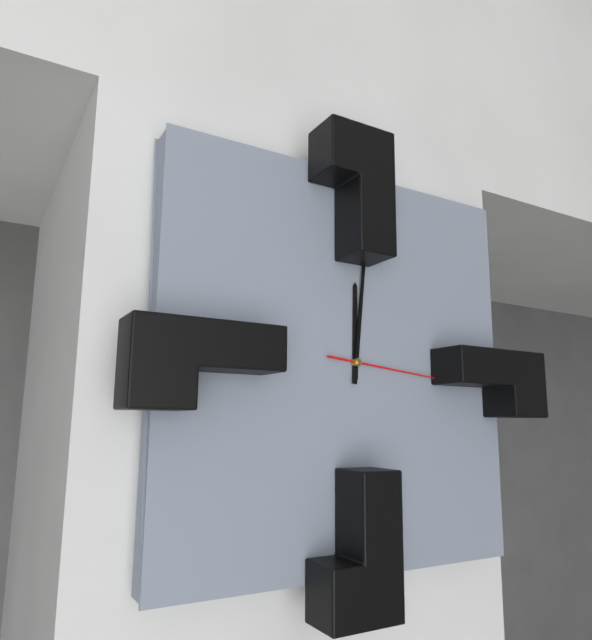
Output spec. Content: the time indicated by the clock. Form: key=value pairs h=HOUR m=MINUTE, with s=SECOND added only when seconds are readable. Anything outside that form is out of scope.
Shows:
h=12 m=1 s=16
